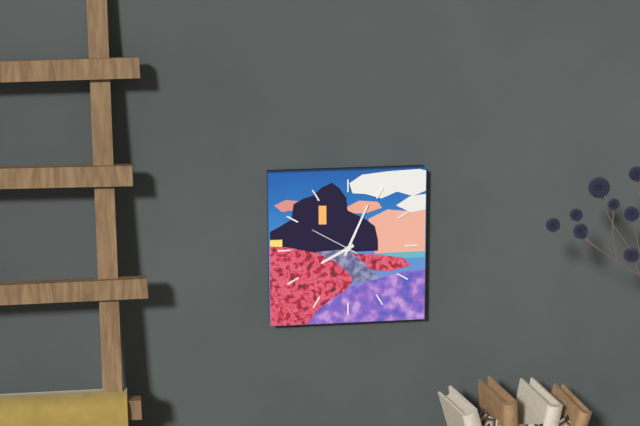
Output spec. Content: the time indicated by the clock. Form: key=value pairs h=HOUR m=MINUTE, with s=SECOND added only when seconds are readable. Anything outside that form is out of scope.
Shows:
h=8 m=4 s=50
